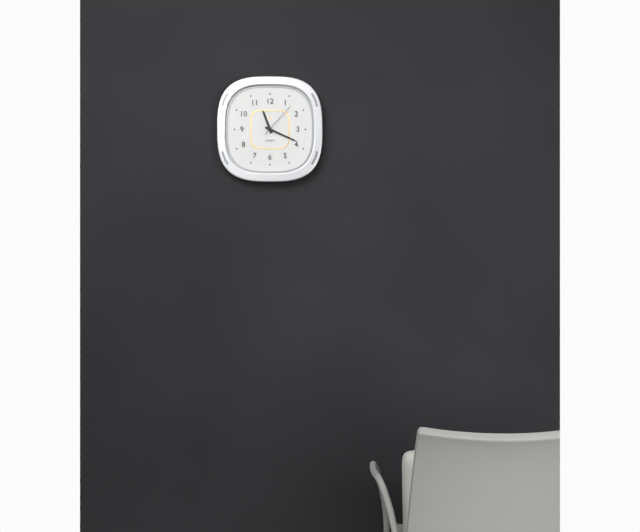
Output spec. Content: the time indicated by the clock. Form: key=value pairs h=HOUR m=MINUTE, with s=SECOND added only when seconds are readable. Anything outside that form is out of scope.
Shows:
h=11 m=19
